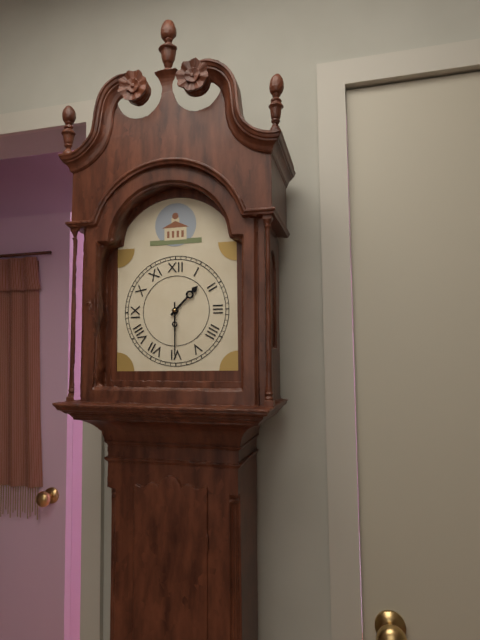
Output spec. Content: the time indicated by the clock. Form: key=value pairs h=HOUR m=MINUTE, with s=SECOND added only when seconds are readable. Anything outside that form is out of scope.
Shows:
h=1 m=30
